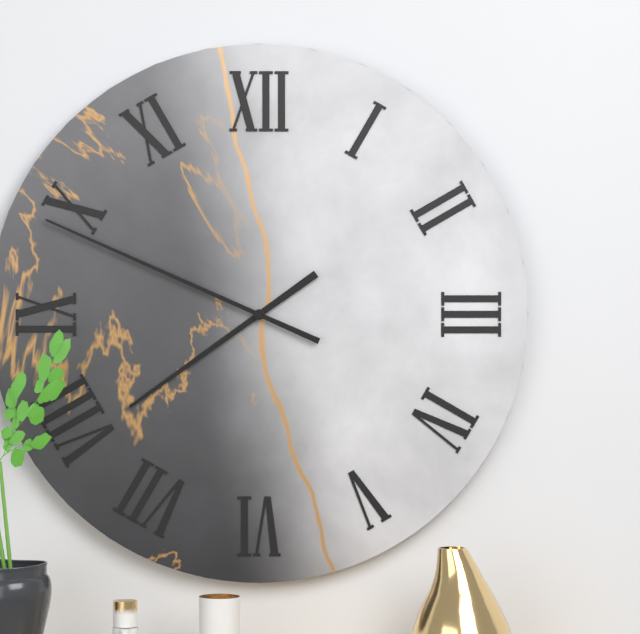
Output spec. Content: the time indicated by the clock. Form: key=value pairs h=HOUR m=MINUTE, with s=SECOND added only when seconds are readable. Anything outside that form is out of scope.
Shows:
h=7 m=49
